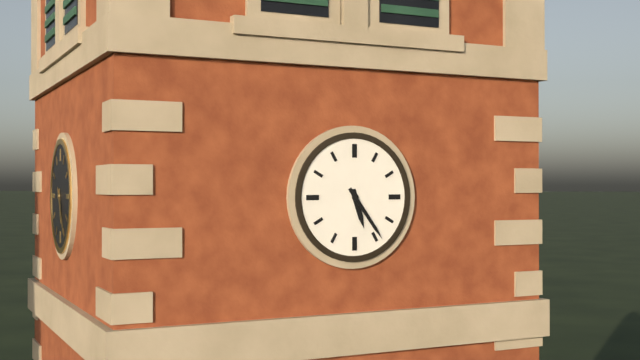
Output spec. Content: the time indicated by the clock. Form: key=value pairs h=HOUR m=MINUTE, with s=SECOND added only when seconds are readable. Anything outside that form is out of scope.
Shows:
h=5 m=24
